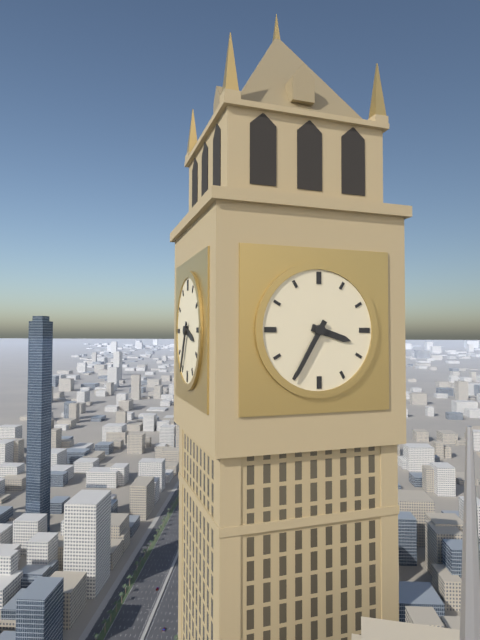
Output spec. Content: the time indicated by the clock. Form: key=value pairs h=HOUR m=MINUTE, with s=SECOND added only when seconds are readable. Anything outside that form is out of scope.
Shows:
h=3 m=35
